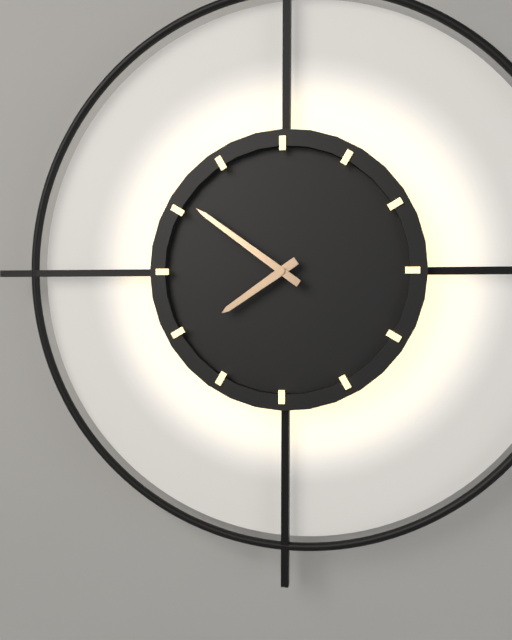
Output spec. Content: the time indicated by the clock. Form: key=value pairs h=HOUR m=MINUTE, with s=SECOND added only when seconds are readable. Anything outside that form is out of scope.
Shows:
h=7 m=51
